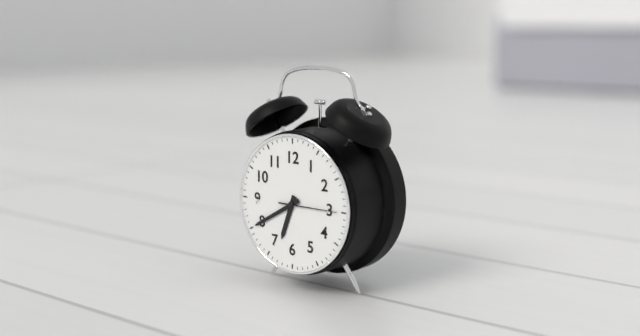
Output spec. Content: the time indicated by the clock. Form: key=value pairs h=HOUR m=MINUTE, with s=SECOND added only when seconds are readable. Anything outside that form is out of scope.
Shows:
h=6 m=40 s=15
